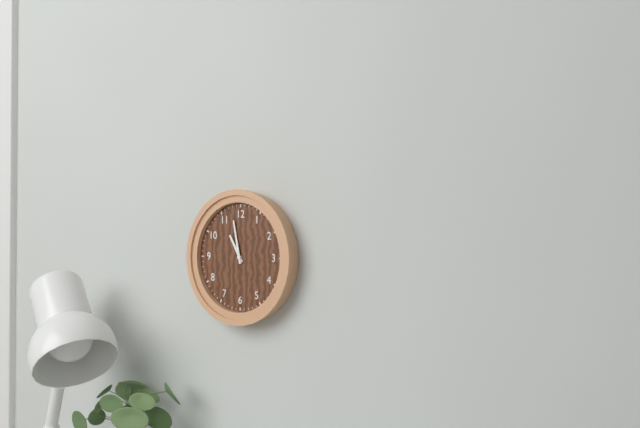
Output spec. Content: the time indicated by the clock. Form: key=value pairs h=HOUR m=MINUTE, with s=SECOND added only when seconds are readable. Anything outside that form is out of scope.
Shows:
h=10 m=58
